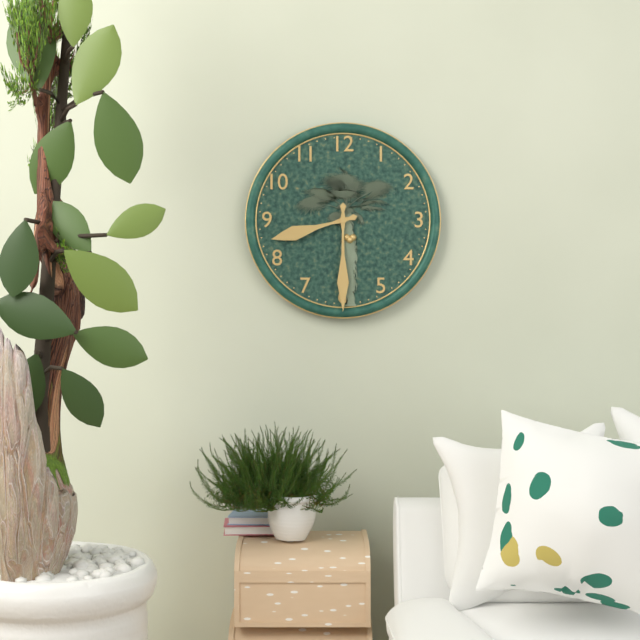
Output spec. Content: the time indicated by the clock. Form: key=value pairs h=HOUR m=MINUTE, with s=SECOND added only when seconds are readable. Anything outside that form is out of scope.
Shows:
h=8 m=30
